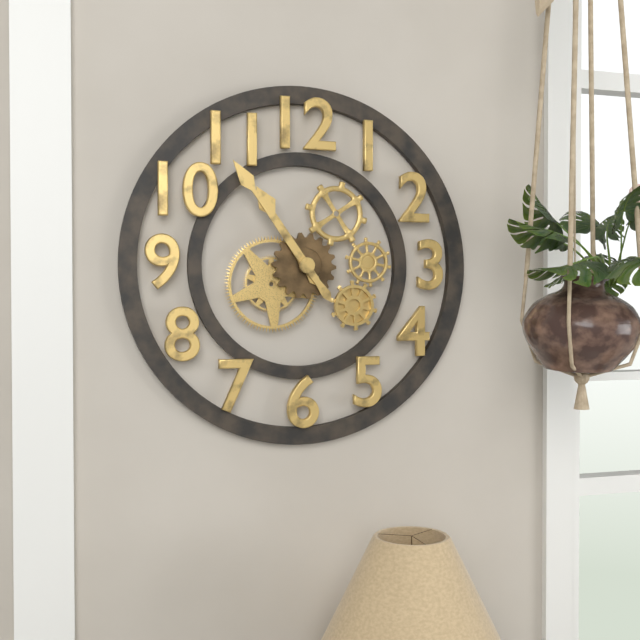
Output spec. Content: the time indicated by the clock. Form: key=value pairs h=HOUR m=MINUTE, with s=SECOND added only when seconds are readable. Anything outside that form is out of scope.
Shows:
h=10 m=54
